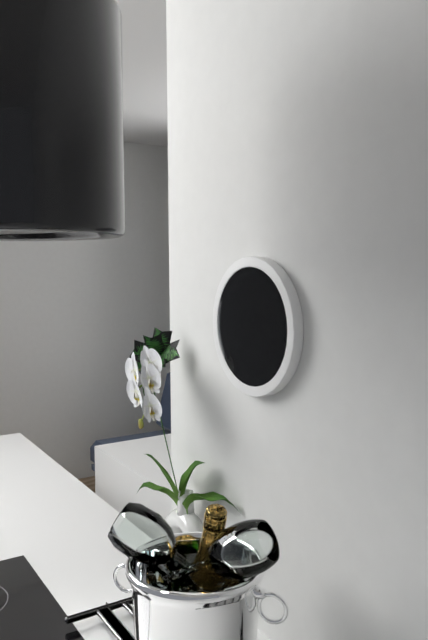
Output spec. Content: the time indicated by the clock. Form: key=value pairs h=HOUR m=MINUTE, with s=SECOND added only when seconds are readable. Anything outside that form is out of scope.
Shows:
h=11 m=20
